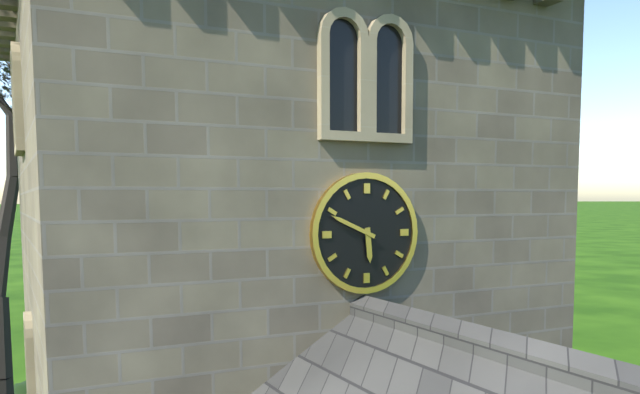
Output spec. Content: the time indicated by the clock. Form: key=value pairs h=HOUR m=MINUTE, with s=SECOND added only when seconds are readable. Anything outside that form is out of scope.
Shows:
h=5 m=49
